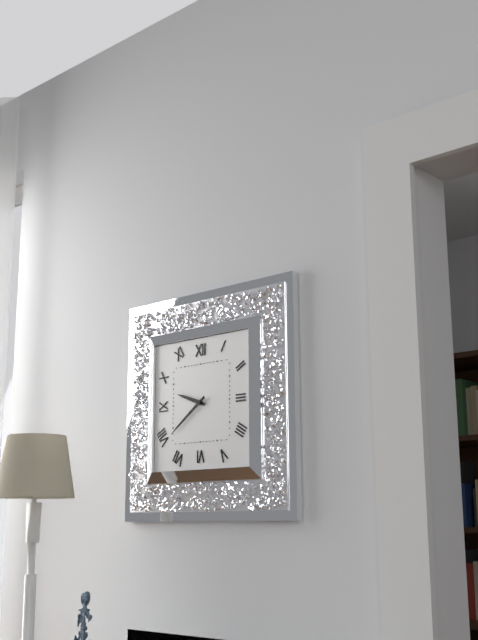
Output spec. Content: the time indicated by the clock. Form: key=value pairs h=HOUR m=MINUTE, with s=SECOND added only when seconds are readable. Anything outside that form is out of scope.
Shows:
h=9 m=39
